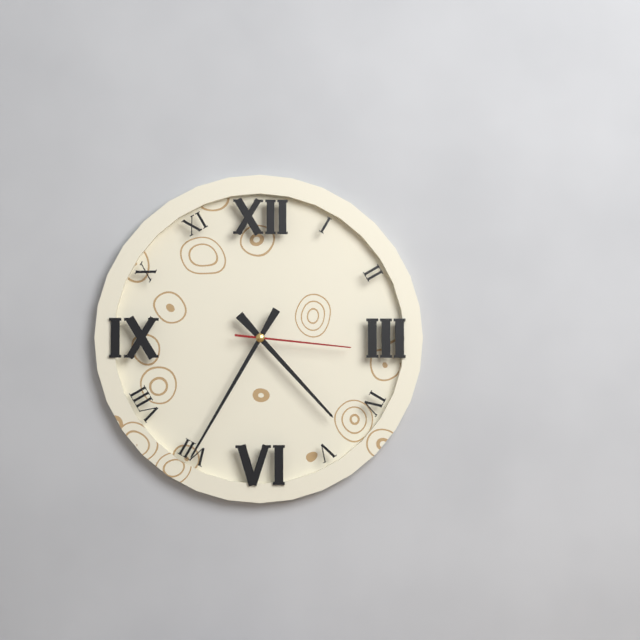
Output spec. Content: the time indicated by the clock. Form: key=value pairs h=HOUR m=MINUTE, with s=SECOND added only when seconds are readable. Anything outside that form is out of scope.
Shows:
h=4 m=35 s=16
